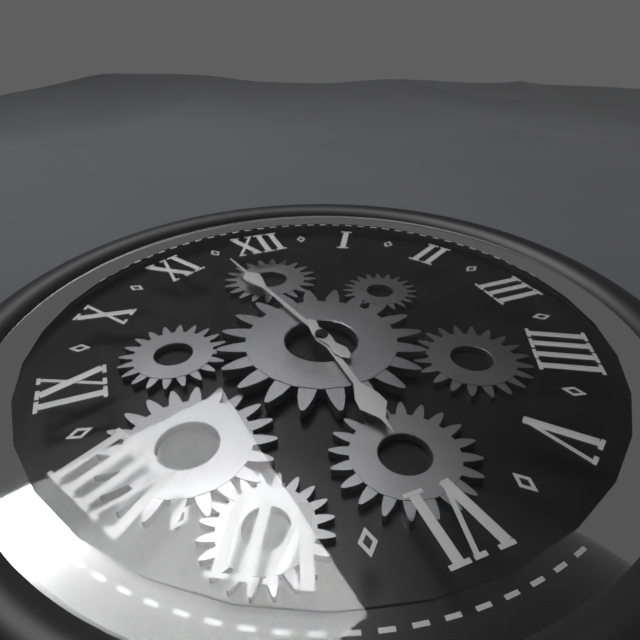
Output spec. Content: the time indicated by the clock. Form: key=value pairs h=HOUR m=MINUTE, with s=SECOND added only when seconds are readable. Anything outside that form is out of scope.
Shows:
h=5 m=58
